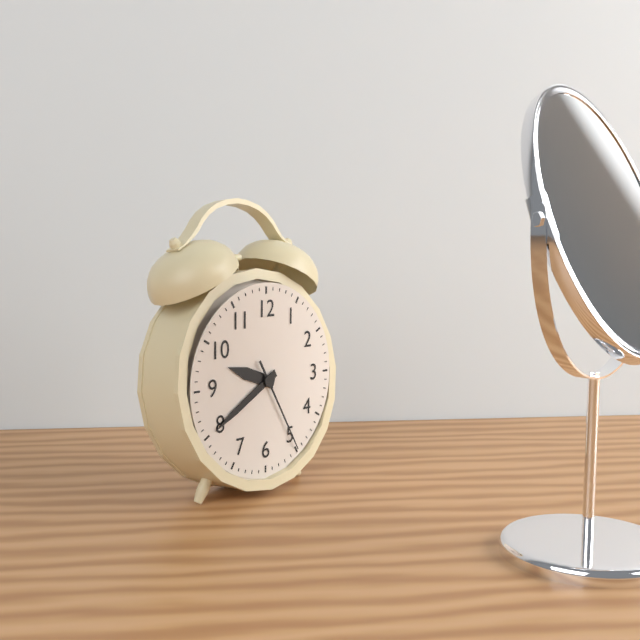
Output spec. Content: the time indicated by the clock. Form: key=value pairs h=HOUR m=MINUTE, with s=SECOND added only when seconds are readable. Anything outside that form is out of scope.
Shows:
h=9 m=40 s=25
